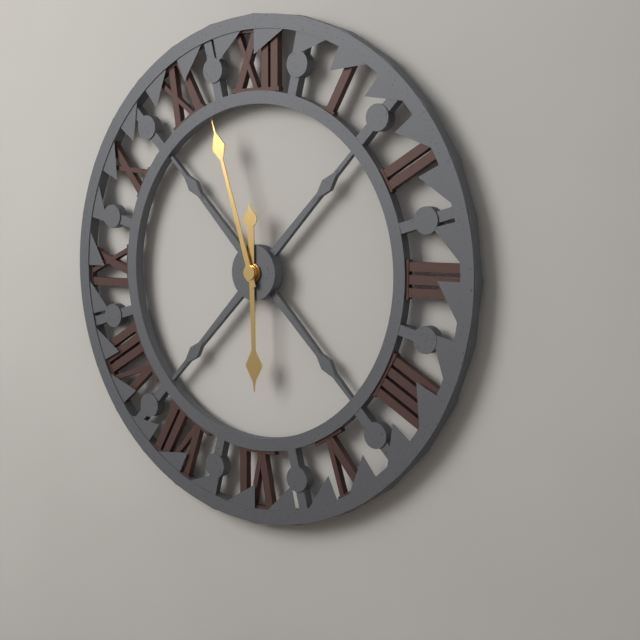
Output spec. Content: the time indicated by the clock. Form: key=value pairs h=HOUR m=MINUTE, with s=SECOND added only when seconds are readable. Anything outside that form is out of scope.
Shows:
h=5 m=57
